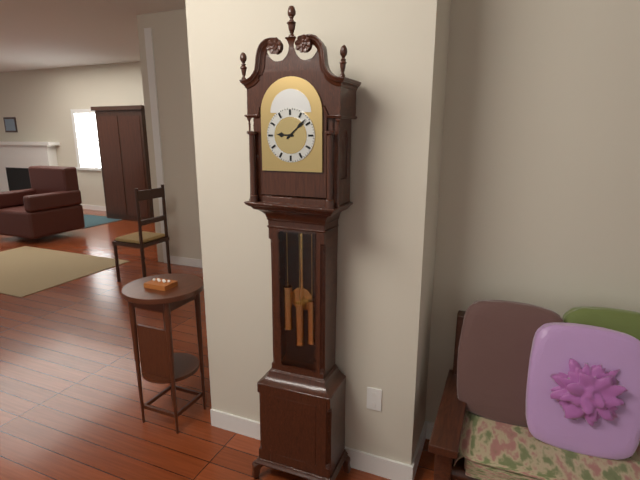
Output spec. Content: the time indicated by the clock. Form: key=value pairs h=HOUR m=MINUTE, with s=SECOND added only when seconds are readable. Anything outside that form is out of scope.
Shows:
h=9 m=8
